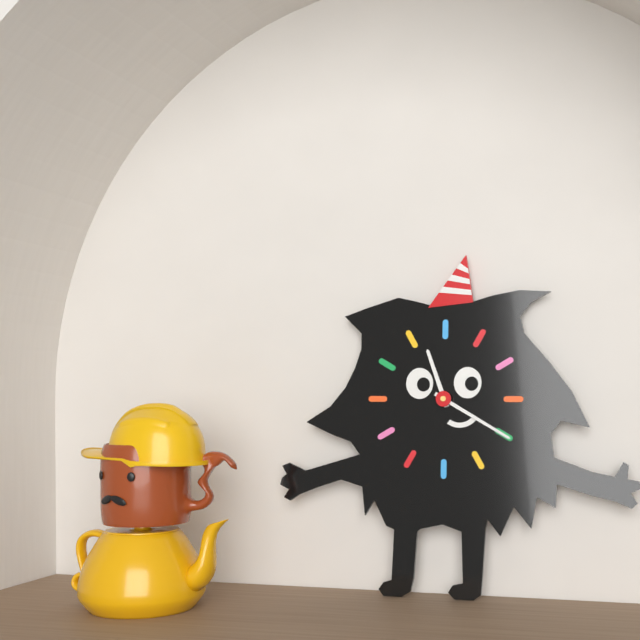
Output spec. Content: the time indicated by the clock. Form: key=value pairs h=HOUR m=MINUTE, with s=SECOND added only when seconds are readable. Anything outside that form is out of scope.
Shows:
h=11 m=20
